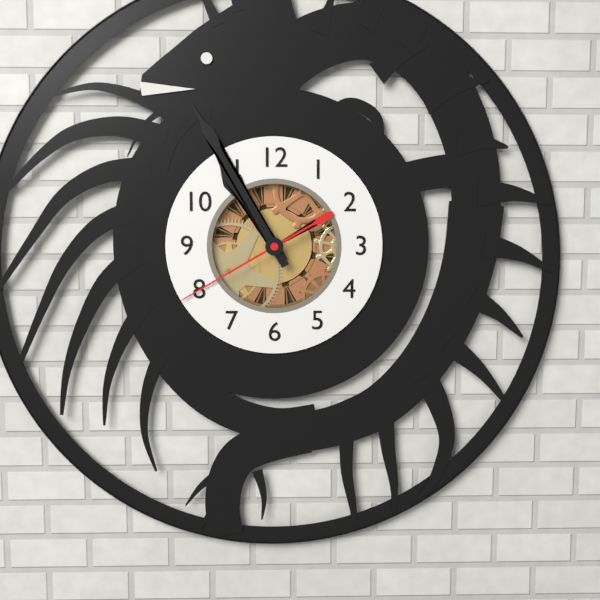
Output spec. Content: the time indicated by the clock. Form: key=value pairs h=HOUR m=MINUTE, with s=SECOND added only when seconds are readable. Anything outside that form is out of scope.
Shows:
h=10 m=55 s=40
